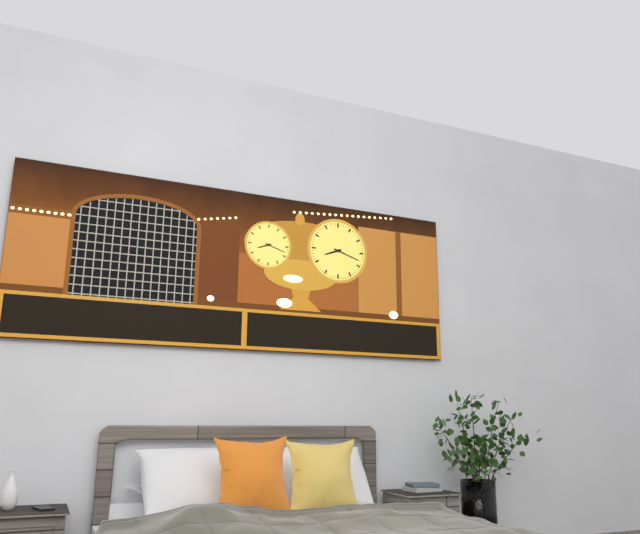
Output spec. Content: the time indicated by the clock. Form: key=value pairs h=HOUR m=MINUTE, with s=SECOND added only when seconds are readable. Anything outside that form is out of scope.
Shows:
h=8 m=18
